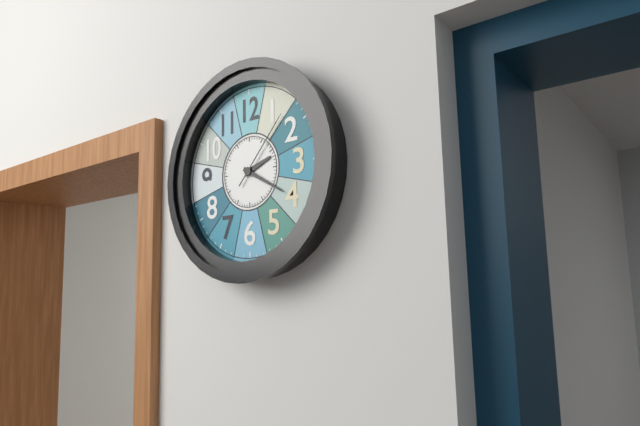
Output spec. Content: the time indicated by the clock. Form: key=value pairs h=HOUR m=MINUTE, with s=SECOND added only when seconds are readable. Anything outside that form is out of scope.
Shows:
h=2 m=20 s=7
